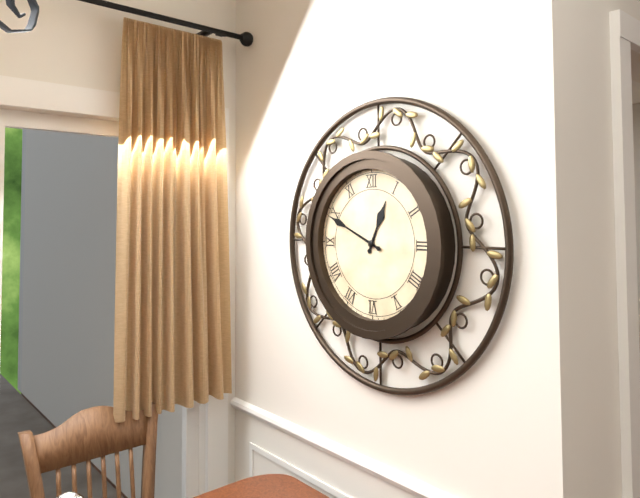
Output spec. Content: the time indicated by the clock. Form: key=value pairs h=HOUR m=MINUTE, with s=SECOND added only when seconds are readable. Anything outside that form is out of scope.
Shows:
h=12 m=49
